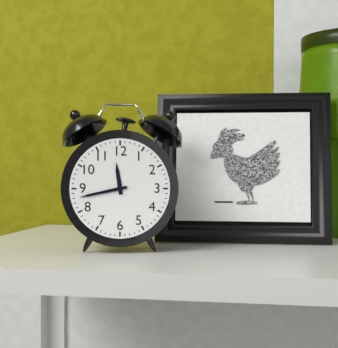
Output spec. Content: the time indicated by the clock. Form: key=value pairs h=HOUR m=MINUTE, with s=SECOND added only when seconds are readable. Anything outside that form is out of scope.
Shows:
h=11 m=43
